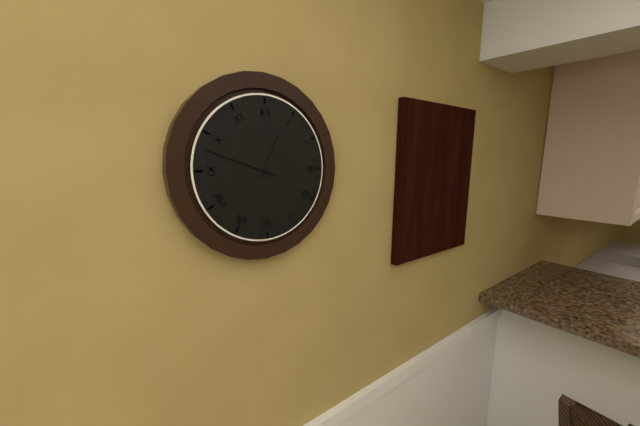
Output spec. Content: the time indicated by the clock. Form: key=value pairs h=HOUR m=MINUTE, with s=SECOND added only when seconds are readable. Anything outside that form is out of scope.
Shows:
h=12 m=48
